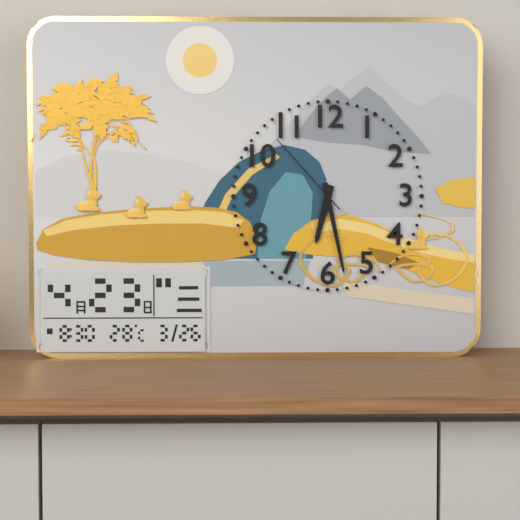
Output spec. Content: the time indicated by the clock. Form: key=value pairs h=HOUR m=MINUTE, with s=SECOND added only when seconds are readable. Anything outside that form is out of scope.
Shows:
h=6 m=28 s=53
